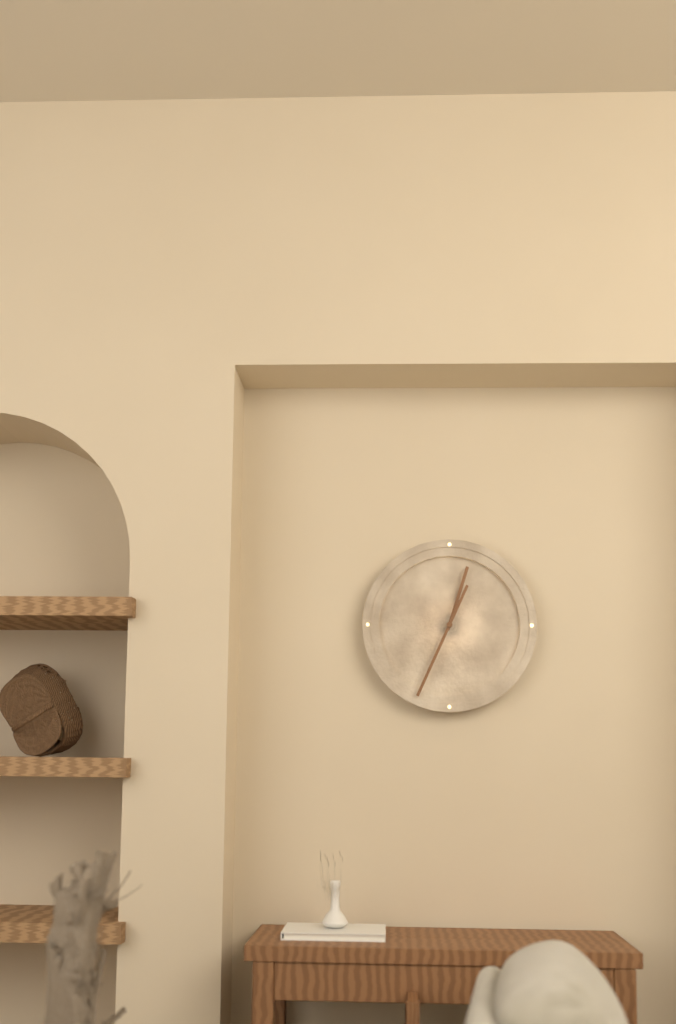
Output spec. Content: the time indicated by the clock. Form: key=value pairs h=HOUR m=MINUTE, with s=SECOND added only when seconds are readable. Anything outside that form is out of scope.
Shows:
h=12 m=34
